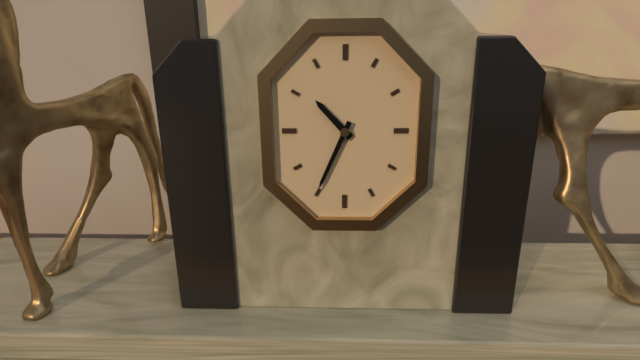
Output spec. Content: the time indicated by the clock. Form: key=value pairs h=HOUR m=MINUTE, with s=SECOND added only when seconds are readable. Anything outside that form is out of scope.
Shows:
h=10 m=34
